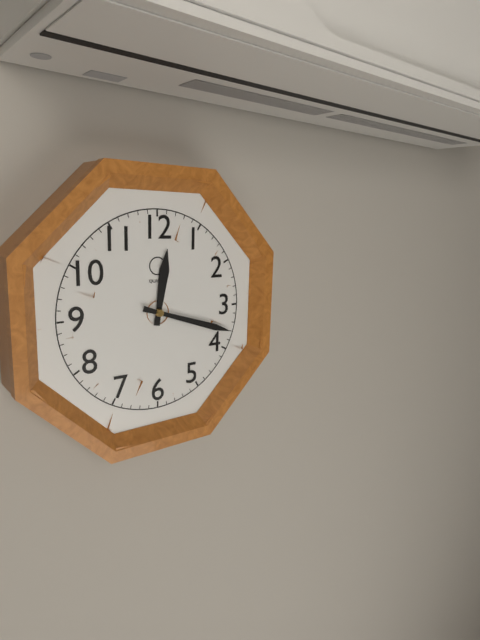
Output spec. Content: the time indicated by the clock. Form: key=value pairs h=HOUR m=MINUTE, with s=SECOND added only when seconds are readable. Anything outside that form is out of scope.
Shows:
h=12 m=18
